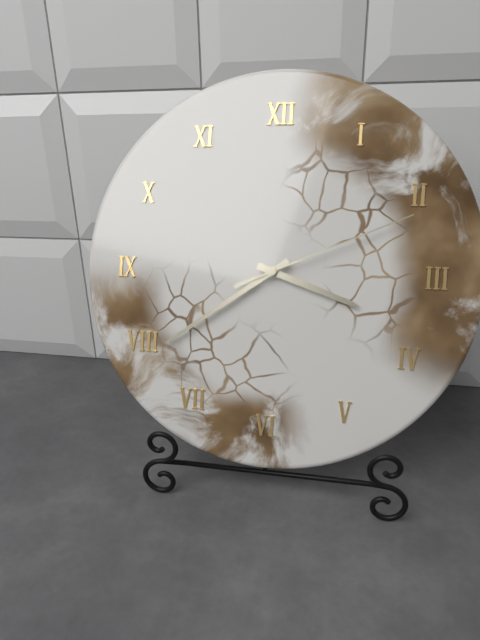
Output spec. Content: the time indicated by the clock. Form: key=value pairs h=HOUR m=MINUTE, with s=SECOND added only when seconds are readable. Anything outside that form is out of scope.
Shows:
h=3 m=39 s=11
